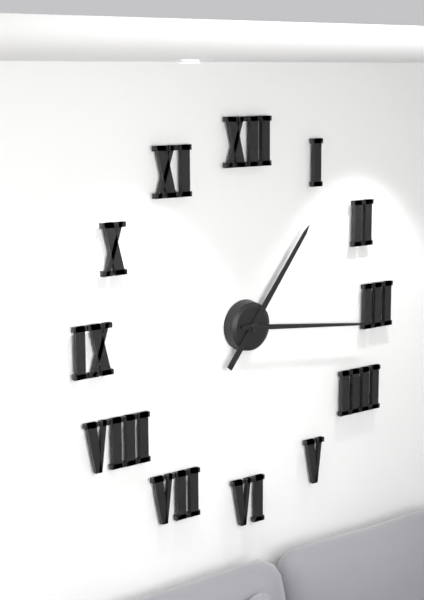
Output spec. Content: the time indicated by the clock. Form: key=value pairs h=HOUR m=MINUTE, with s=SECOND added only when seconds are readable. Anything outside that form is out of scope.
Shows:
h=1 m=16
